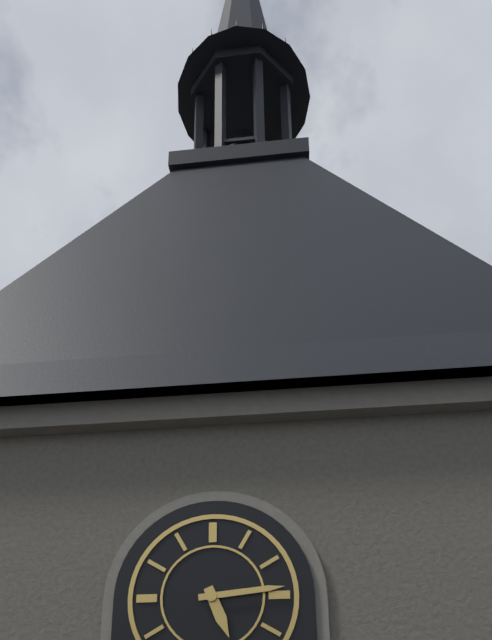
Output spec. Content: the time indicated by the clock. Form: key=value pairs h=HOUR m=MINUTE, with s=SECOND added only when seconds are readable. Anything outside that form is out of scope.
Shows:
h=5 m=14
